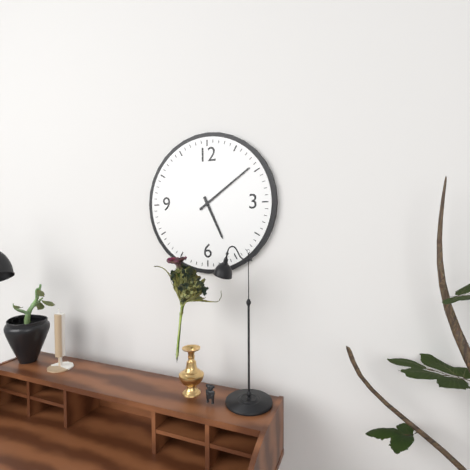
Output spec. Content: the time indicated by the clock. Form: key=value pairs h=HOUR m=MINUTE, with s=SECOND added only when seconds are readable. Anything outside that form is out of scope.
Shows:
h=5 m=9
